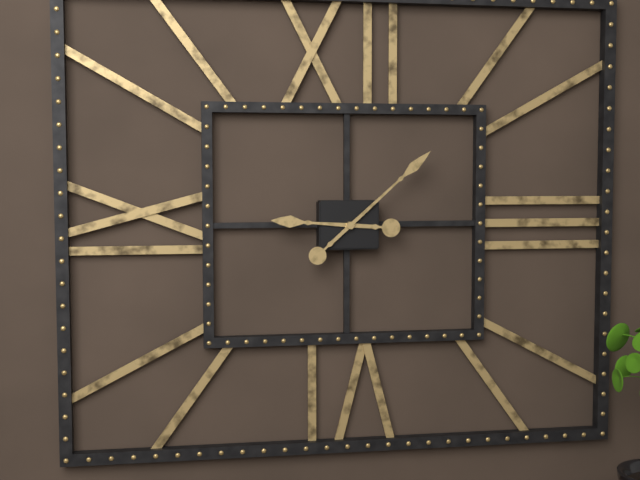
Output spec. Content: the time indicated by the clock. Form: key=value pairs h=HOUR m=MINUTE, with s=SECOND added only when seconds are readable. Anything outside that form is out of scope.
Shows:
h=9 m=8
